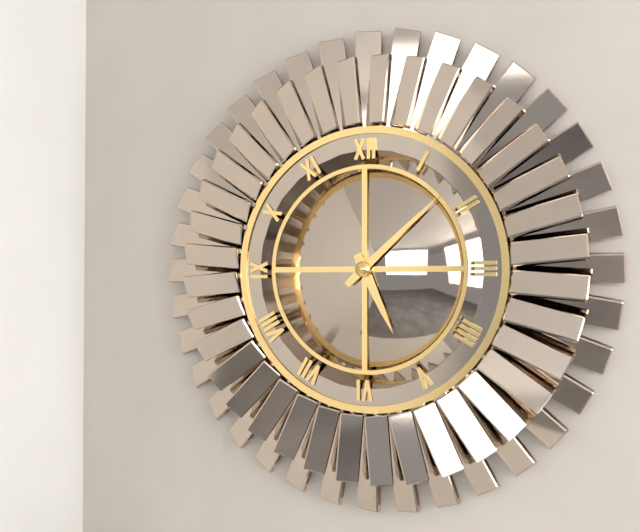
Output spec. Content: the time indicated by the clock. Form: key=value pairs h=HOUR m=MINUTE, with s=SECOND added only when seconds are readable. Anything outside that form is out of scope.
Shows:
h=5 m=8
